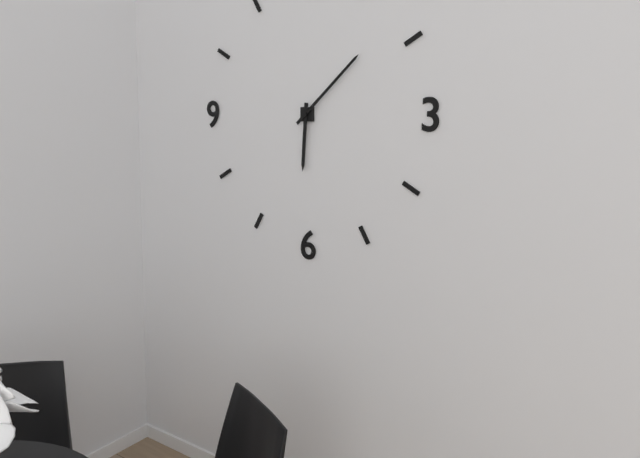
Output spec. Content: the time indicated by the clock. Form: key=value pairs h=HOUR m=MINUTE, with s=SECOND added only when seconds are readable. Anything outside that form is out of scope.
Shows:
h=6 m=8
